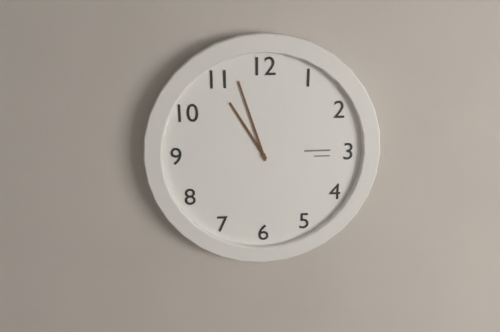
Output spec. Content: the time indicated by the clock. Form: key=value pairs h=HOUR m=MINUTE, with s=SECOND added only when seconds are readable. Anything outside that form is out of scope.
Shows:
h=10 m=57
